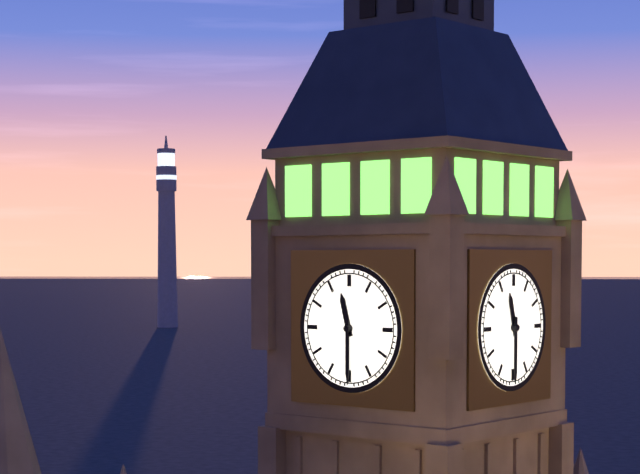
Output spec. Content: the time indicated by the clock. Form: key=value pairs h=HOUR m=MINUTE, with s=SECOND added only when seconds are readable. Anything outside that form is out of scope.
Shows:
h=11 m=30
